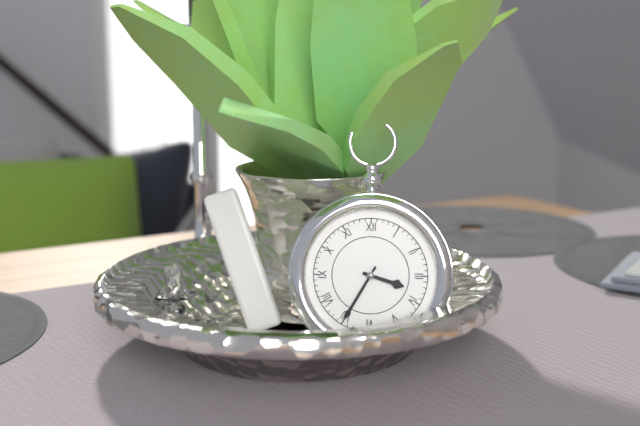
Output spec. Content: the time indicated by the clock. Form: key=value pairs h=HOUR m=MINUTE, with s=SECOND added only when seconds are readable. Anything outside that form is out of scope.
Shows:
h=3 m=35
